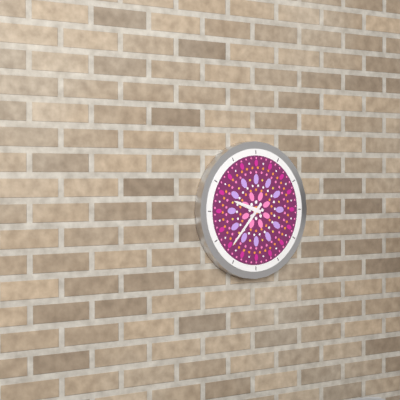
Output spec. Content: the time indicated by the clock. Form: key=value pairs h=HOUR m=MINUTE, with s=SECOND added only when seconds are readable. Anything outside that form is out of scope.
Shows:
h=9 m=37
